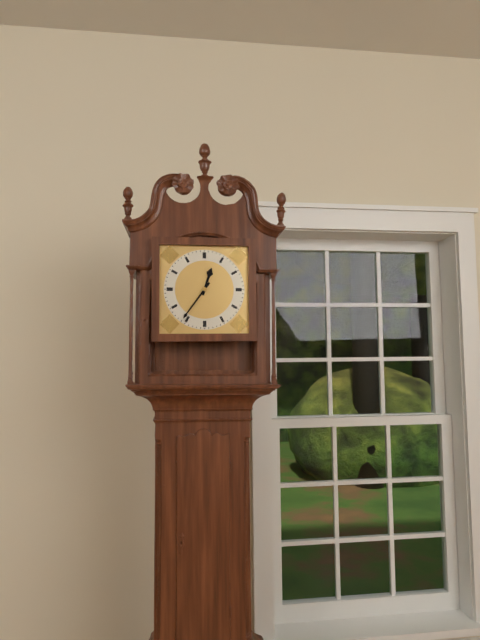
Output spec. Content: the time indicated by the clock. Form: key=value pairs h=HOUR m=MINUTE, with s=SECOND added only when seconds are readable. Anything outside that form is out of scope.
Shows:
h=12 m=36
